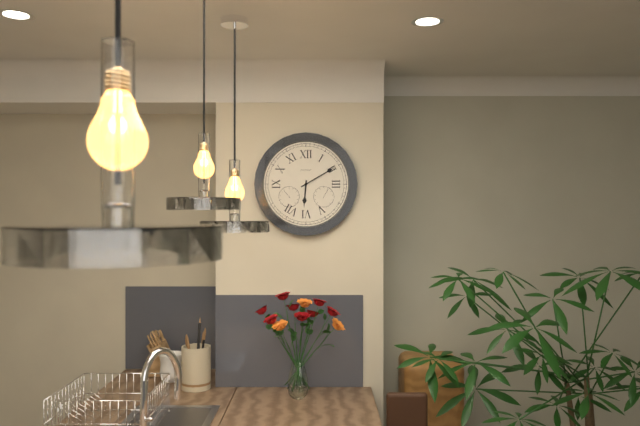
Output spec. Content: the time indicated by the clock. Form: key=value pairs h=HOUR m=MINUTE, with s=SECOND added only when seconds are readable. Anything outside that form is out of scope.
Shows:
h=6 m=10
